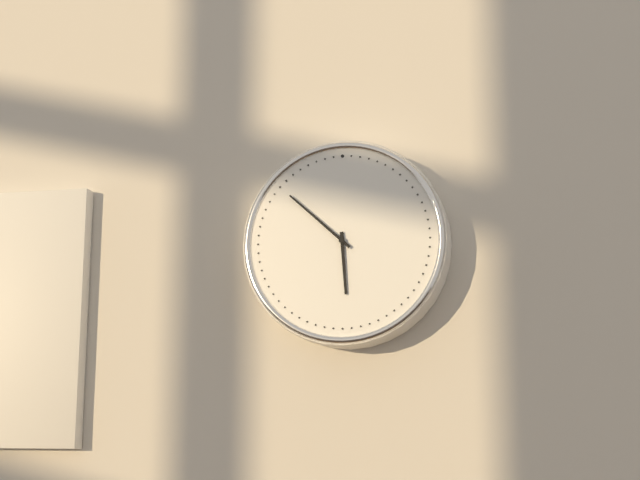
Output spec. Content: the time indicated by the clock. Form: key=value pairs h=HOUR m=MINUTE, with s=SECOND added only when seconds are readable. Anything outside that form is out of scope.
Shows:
h=5 m=52
